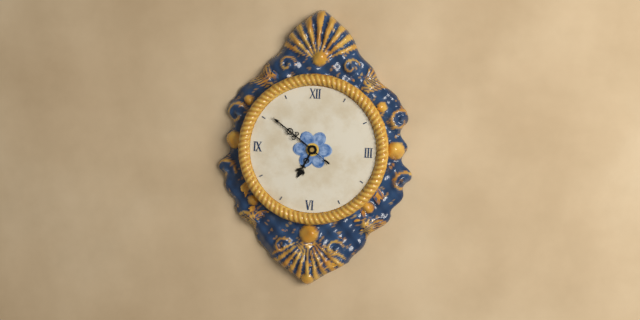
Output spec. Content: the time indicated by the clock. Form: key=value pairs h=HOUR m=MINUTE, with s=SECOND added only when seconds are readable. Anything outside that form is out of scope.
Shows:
h=6 m=51 s=51
